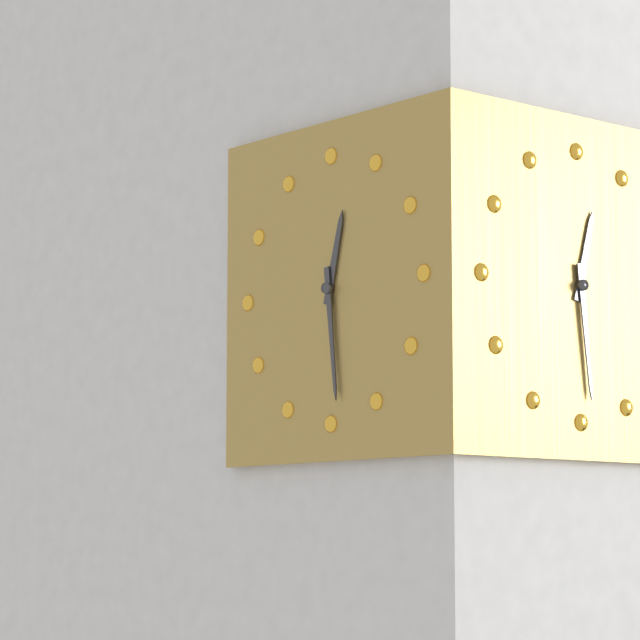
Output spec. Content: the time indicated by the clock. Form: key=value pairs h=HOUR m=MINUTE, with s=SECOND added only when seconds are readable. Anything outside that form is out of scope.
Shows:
h=12 m=29
